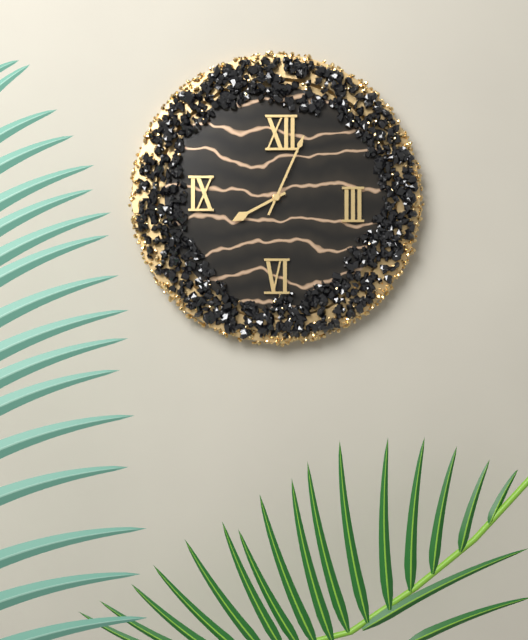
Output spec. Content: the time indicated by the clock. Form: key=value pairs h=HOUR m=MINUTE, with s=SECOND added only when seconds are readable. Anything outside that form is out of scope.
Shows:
h=8 m=4
